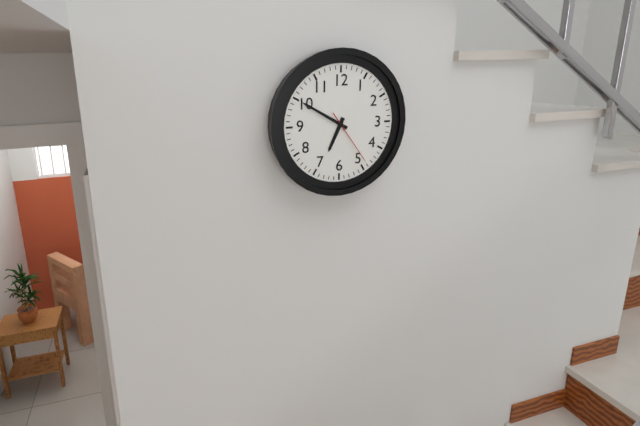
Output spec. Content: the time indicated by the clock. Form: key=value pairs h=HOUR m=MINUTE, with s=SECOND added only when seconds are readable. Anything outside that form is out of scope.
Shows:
h=6 m=50 s=24
